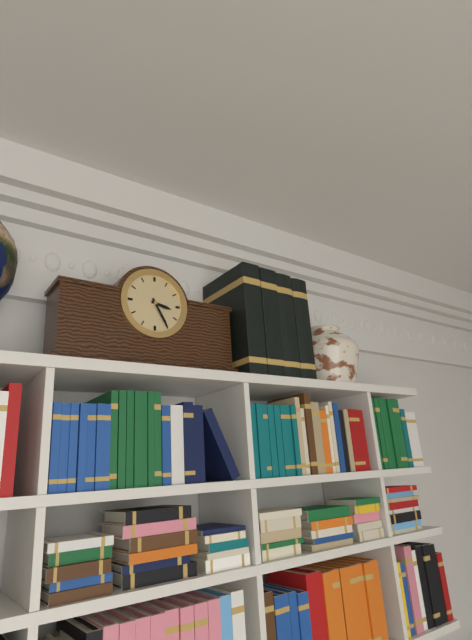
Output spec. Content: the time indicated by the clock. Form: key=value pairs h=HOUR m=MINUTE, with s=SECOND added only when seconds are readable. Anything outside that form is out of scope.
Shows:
h=3 m=25
